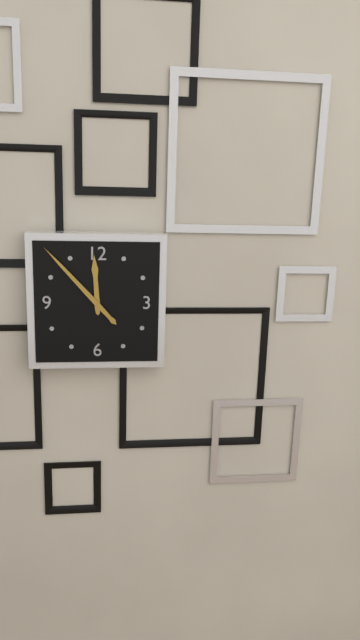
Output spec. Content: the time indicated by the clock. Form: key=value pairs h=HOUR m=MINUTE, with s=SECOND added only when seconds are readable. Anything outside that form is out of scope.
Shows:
h=11 m=53
